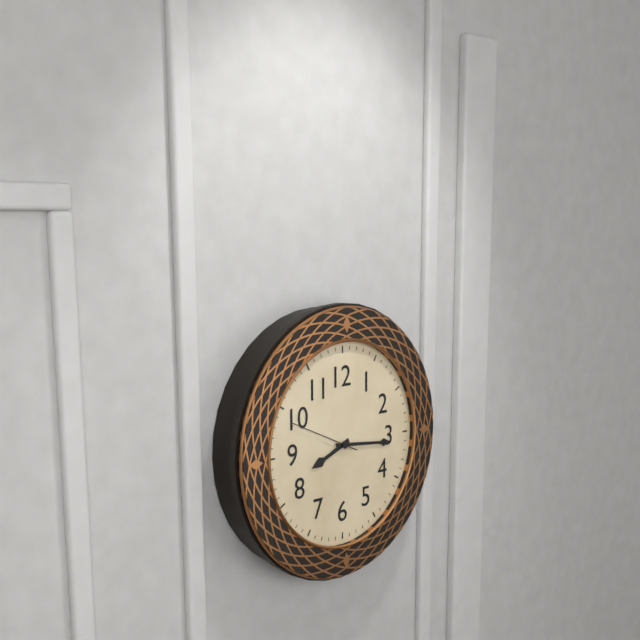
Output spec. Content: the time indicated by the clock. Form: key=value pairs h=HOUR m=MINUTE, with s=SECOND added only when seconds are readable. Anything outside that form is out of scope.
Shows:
h=8 m=16 s=49
